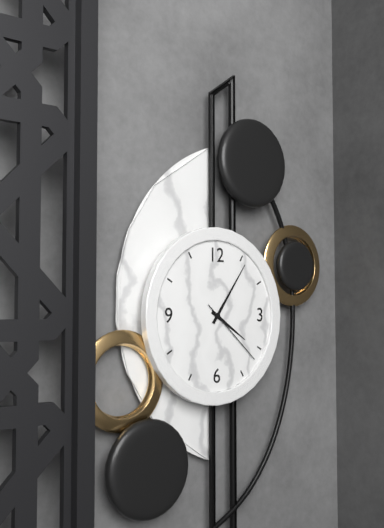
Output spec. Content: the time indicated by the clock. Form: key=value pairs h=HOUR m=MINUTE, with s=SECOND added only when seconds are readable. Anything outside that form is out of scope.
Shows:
h=4 m=6 s=22
